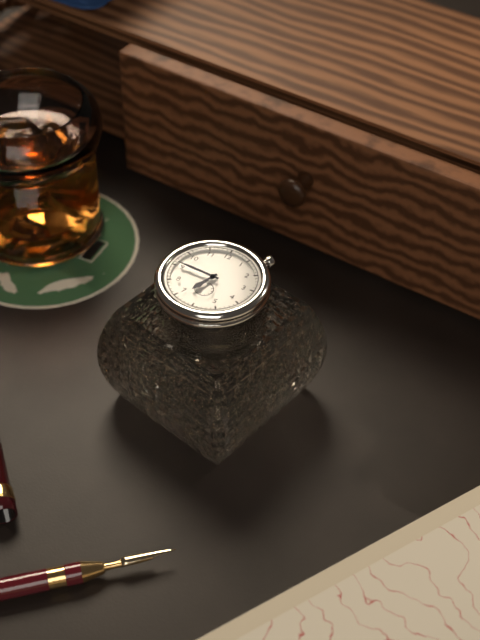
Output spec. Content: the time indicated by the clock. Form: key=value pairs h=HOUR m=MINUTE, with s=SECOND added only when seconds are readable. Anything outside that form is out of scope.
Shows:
h=6 m=46
